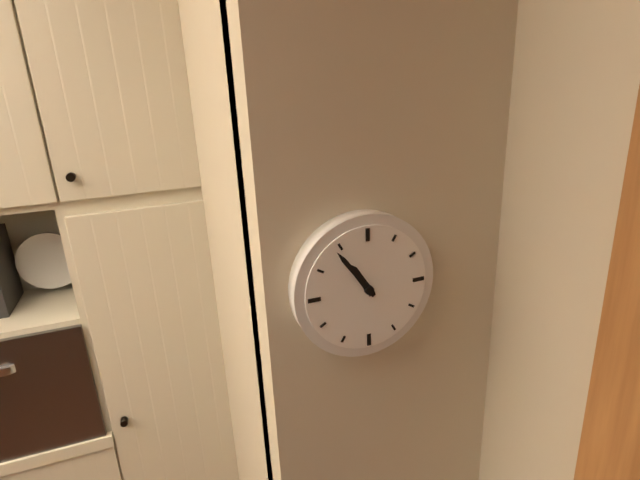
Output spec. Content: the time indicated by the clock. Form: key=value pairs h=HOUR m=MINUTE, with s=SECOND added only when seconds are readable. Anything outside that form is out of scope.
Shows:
h=10 m=54
